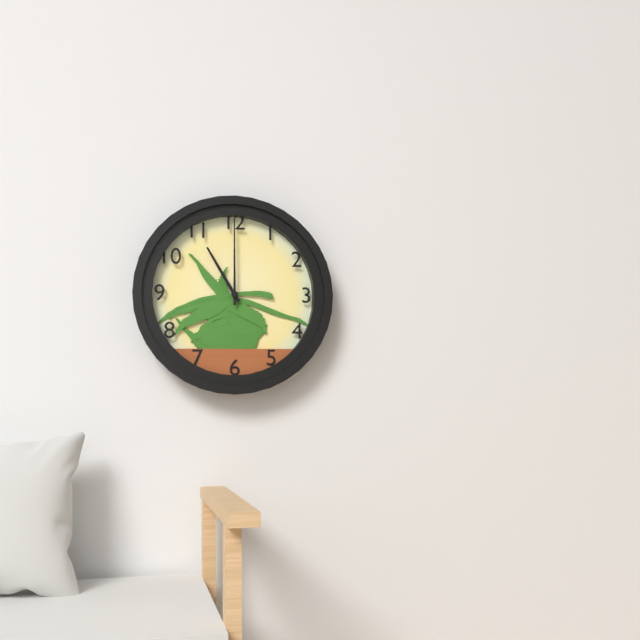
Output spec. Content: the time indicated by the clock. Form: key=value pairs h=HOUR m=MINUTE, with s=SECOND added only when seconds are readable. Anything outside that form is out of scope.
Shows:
h=11 m=0
